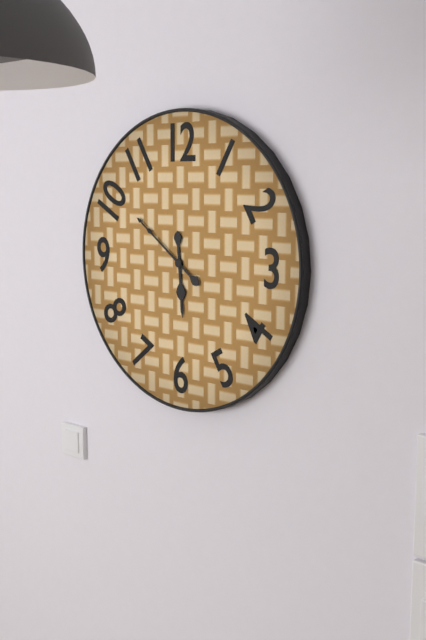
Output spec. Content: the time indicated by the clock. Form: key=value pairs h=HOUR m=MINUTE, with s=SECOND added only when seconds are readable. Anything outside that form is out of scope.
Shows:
h=5 m=51
